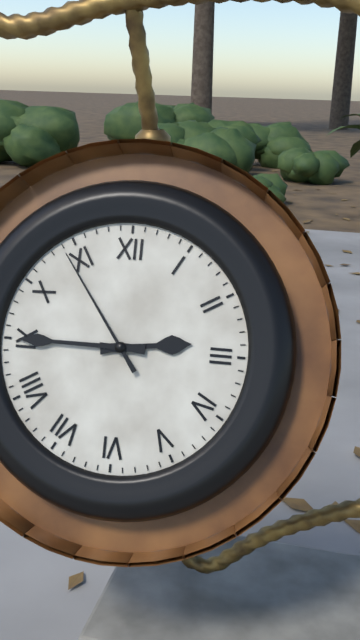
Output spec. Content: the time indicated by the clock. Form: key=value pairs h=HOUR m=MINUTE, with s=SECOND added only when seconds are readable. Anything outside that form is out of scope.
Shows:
h=2 m=45 s=54
